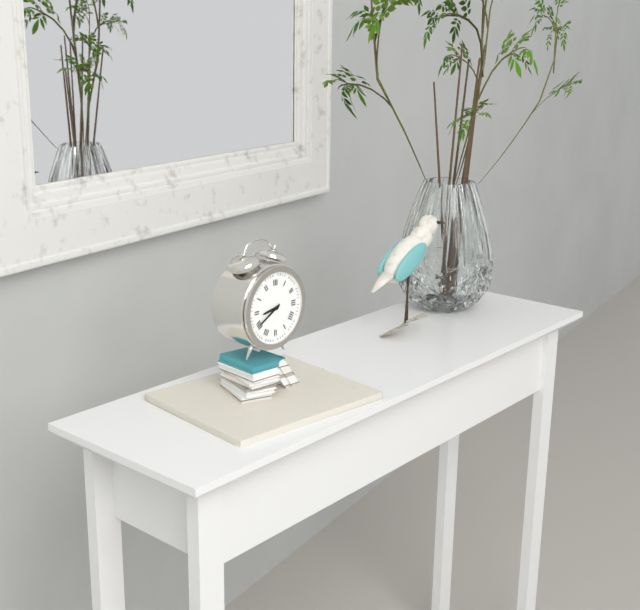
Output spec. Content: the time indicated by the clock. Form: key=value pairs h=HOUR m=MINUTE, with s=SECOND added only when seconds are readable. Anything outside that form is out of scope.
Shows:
h=8 m=40
